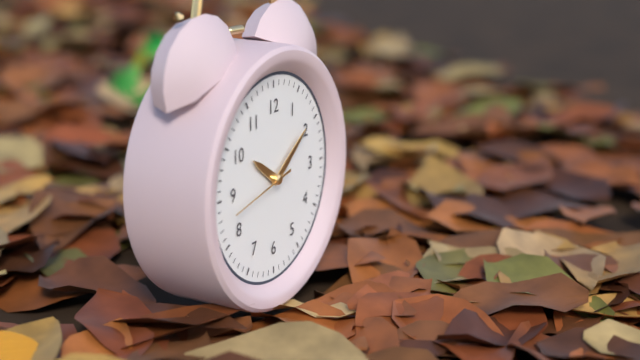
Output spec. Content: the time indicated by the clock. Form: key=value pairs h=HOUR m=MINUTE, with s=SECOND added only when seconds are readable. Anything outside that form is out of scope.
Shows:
h=10 m=9 s=43
